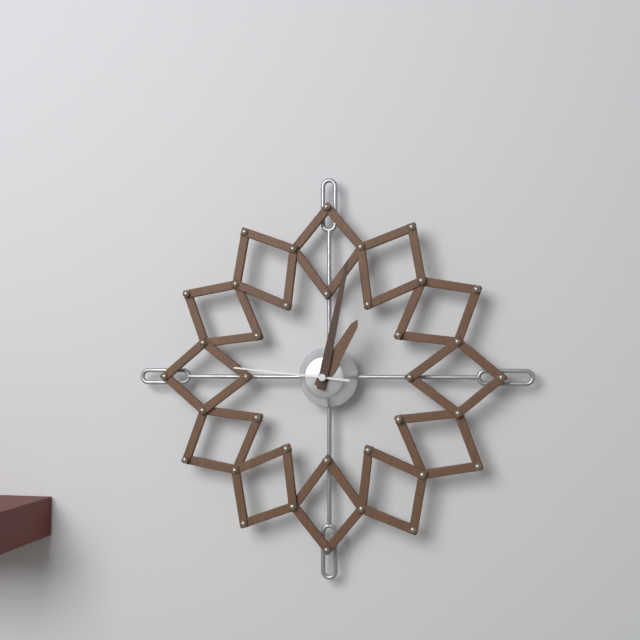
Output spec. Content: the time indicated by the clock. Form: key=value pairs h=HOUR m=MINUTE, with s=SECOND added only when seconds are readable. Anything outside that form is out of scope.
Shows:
h=1 m=2 s=46
